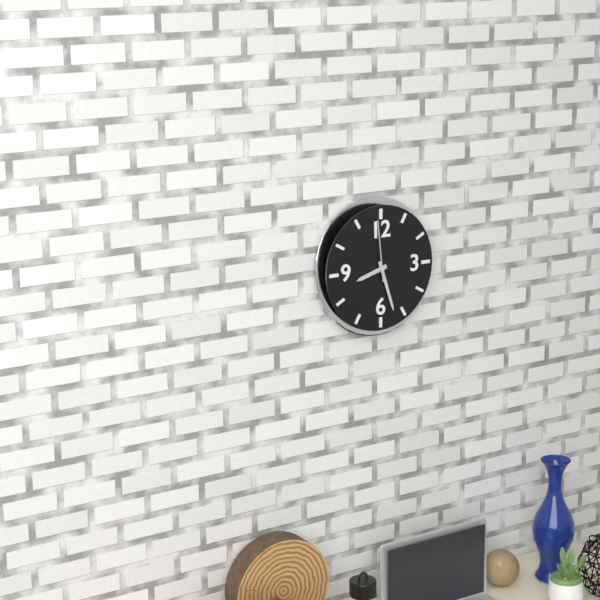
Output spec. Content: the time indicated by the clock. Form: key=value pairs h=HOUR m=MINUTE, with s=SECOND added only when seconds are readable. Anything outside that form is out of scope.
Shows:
h=8 m=27 s=59
